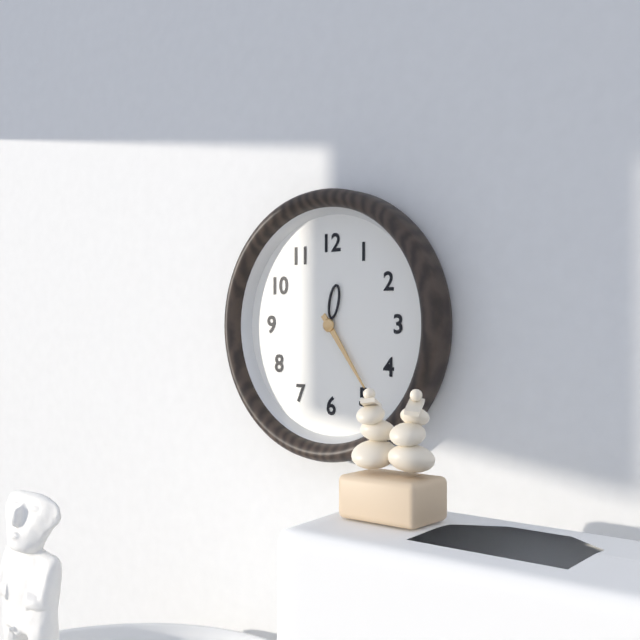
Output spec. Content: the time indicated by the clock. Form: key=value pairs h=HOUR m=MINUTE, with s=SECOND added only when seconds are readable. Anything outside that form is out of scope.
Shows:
h=12 m=24
